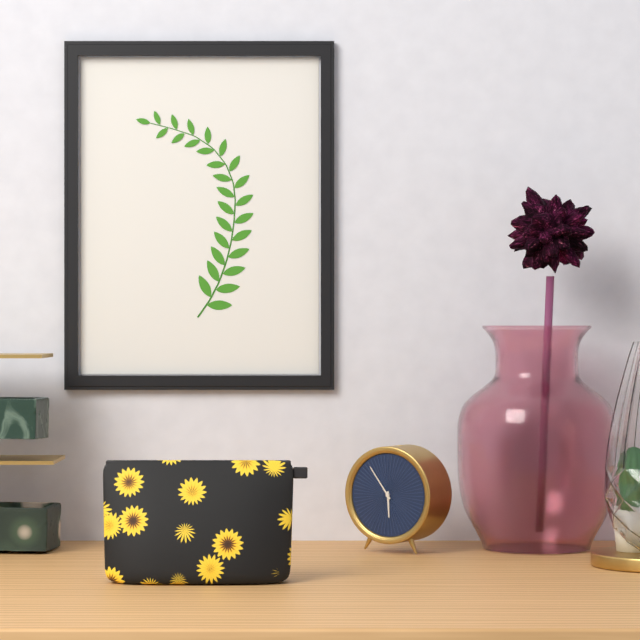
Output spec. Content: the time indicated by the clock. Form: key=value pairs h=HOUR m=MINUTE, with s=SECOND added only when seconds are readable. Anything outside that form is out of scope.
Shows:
h=5 m=54
